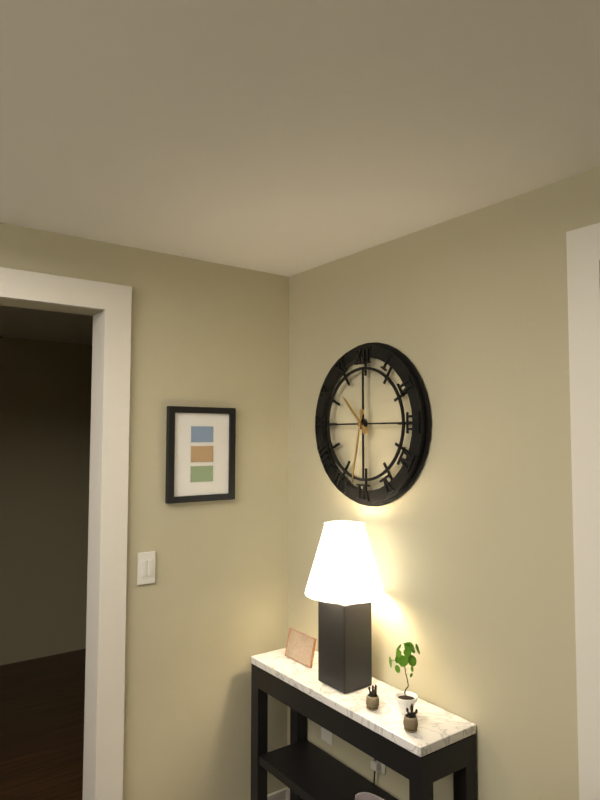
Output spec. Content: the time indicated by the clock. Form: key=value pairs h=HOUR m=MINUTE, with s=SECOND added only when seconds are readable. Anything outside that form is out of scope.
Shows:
h=10 m=32
